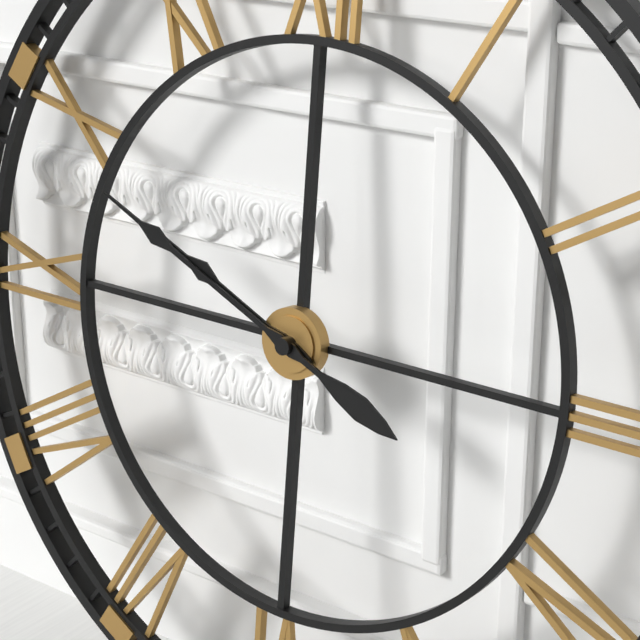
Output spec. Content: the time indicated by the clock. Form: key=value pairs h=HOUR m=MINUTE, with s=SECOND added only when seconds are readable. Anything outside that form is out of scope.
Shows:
h=9 m=49
